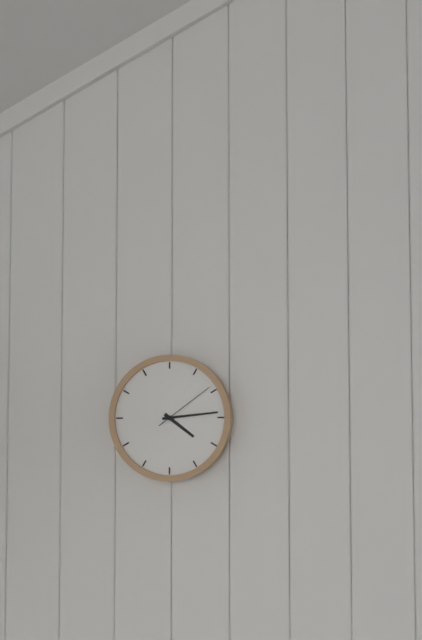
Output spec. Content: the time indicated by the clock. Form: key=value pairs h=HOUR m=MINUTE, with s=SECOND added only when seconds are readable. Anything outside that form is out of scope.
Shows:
h=4 m=14 s=9
